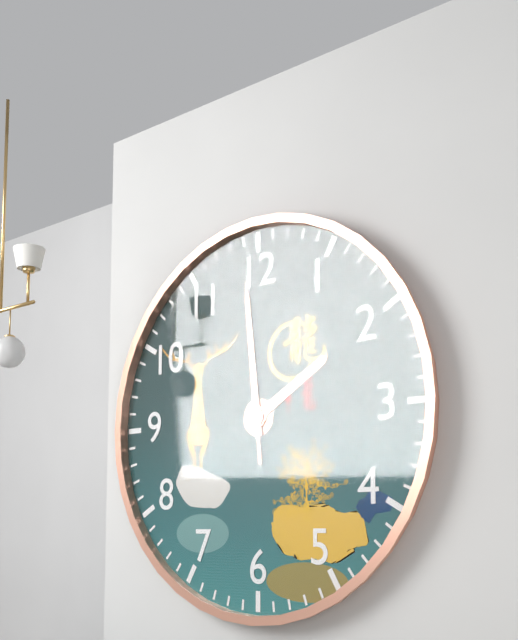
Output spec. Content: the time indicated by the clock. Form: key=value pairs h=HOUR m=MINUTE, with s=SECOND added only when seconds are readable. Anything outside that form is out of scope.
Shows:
h=1 m=59 s=59
